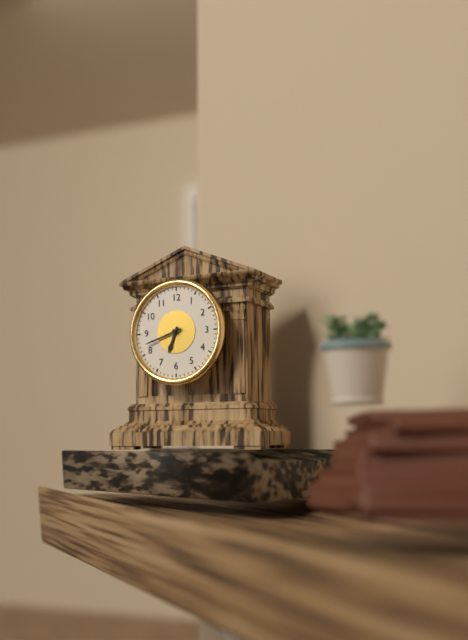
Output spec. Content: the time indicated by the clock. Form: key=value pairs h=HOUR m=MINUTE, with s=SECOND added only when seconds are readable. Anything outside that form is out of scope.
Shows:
h=6 m=42
